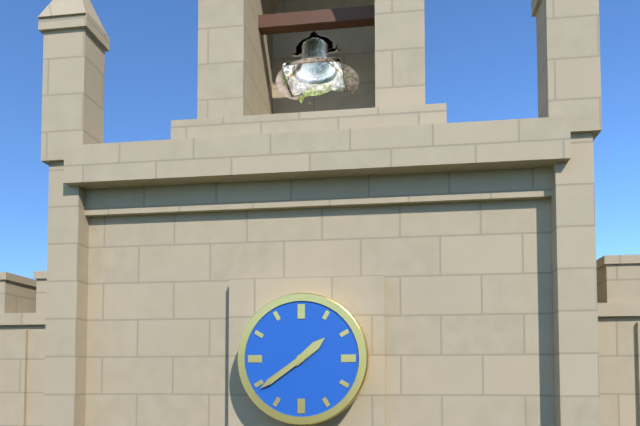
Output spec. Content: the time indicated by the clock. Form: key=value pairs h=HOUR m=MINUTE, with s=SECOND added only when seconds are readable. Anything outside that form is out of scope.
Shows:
h=1 m=39
